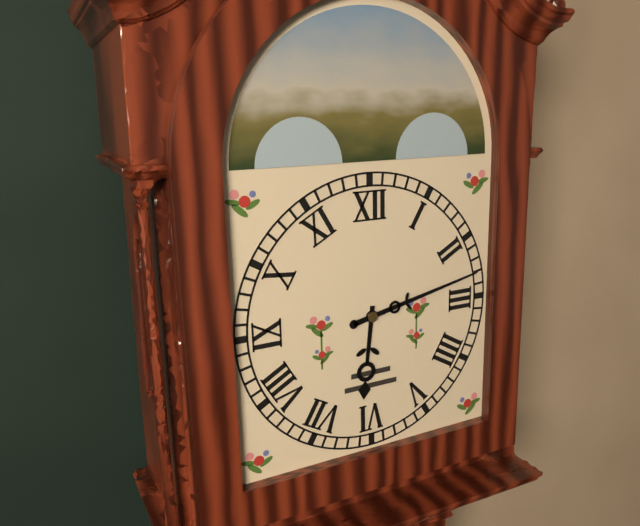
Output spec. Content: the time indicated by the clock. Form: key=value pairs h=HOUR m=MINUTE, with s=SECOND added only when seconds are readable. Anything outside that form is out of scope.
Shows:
h=6 m=13
